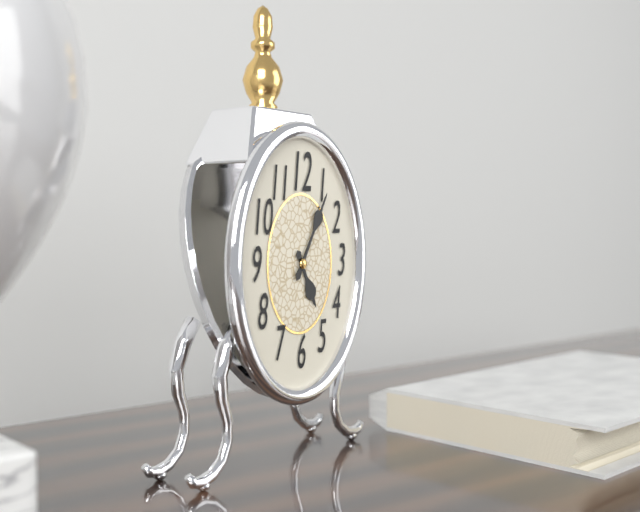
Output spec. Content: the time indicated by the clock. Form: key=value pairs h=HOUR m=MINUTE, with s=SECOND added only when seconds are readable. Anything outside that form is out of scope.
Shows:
h=5 m=5
